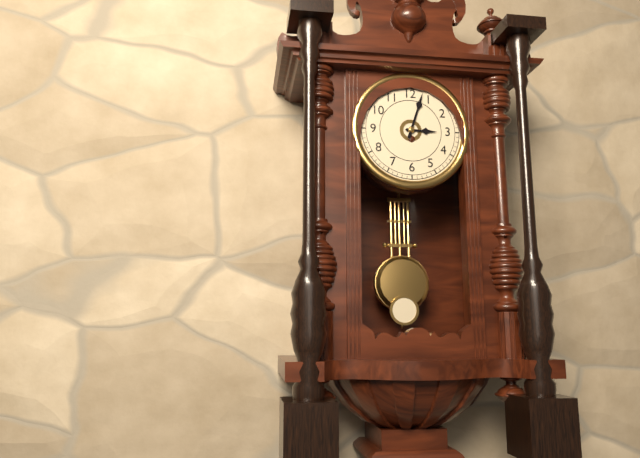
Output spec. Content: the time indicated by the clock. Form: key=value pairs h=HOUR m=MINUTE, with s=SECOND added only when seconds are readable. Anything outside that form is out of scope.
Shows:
h=3 m=3
